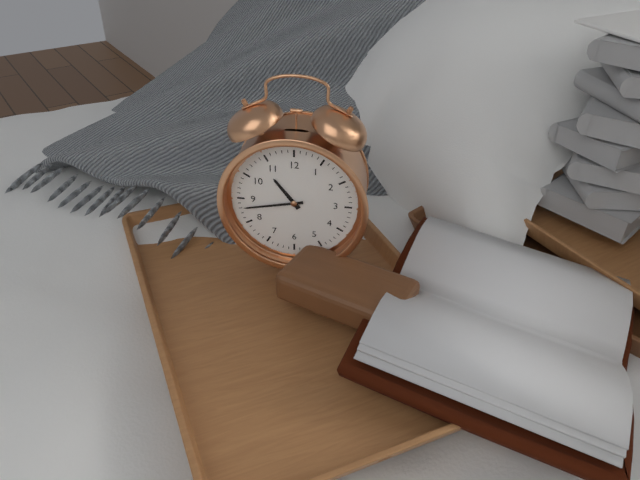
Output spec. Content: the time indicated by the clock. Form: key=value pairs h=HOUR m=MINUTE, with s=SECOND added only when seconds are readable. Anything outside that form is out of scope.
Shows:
h=10 m=43
